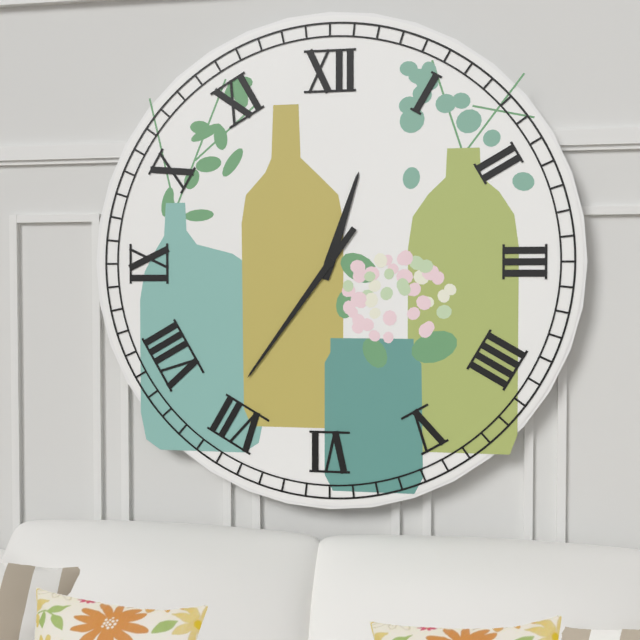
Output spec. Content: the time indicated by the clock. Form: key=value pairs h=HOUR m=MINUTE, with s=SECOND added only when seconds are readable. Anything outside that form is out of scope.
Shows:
h=12 m=36
